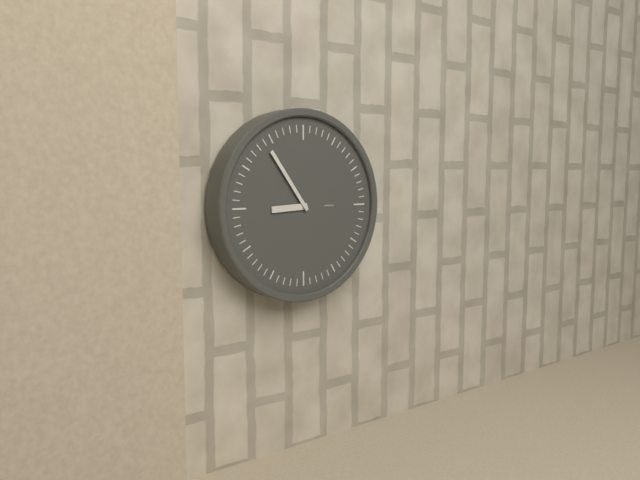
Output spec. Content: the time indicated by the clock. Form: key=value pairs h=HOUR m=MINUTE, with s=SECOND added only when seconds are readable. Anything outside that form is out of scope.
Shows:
h=8 m=54
